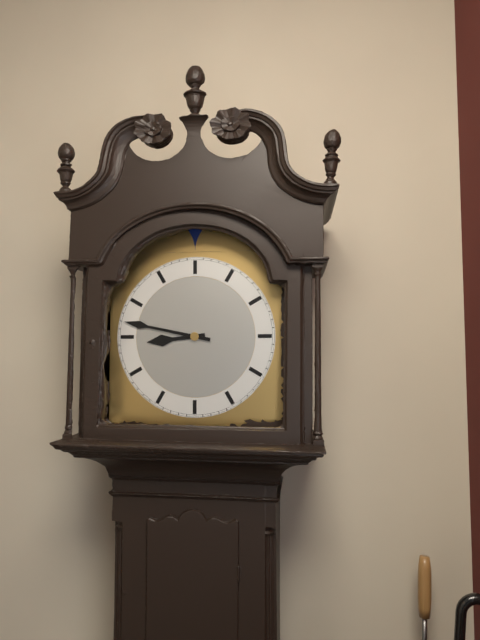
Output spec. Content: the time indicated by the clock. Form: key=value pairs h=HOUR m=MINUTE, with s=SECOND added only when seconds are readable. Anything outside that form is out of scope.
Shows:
h=8 m=47
